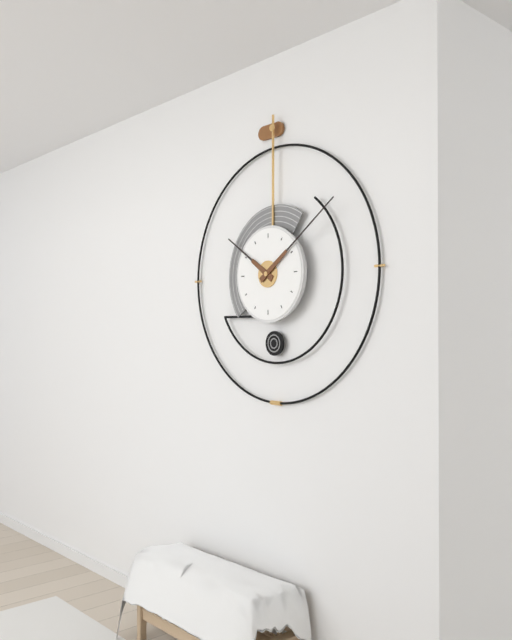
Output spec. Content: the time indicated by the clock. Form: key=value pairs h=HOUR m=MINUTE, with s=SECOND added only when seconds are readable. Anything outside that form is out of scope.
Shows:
h=10 m=9
